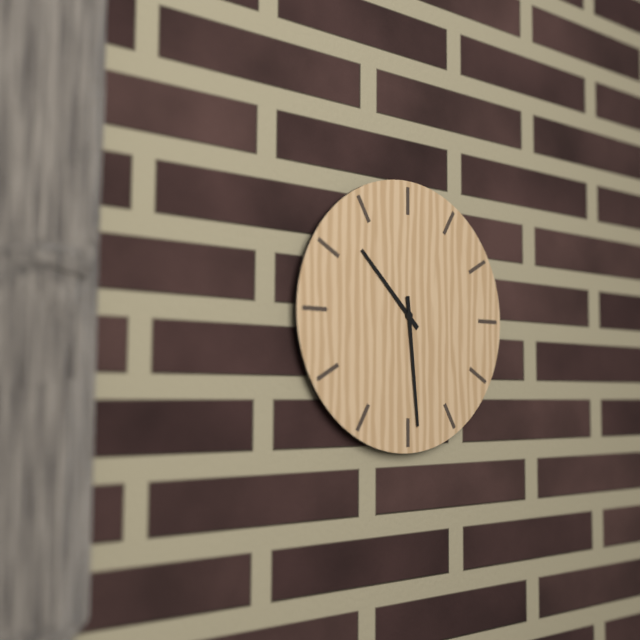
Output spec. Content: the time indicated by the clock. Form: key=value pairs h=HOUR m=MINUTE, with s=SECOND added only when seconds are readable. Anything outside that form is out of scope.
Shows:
h=10 m=29
